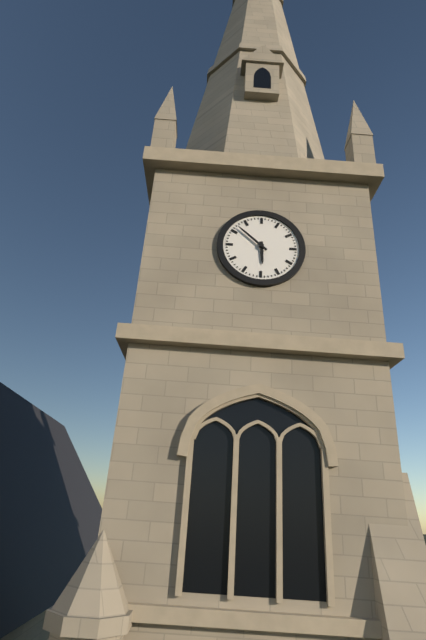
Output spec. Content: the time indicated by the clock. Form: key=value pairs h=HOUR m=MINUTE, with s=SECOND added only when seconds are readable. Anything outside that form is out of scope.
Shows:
h=5 m=52
